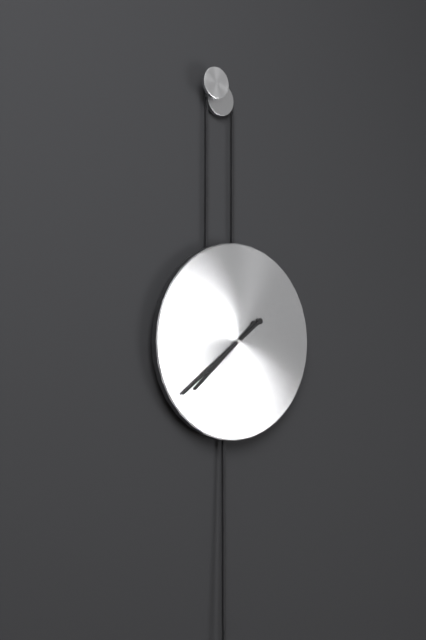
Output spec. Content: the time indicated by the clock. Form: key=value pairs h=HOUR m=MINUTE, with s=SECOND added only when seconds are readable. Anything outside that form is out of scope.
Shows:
h=7 m=39
